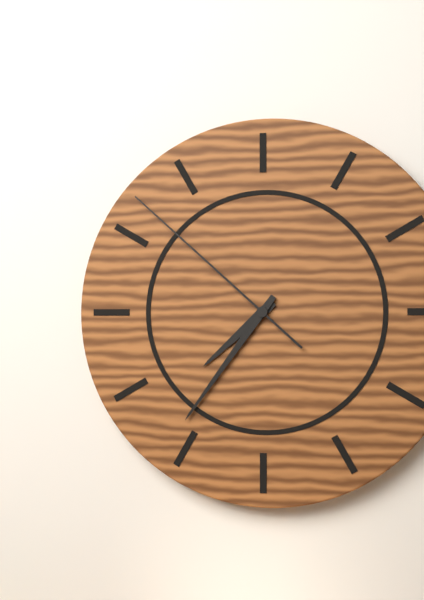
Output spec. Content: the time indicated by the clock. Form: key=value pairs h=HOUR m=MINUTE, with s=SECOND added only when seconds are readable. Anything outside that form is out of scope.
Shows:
h=7 m=36 s=52
